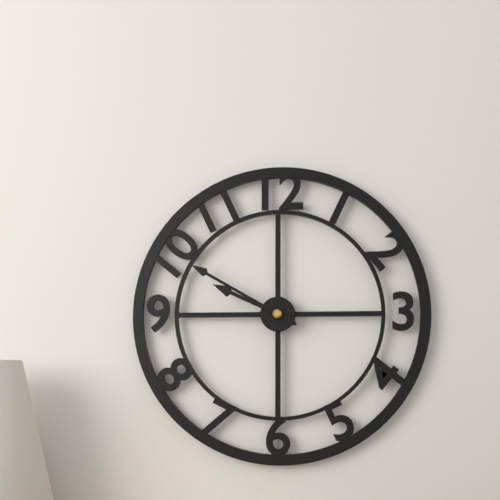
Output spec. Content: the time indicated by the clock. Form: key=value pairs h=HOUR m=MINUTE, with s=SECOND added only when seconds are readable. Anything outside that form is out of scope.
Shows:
h=9 m=50
